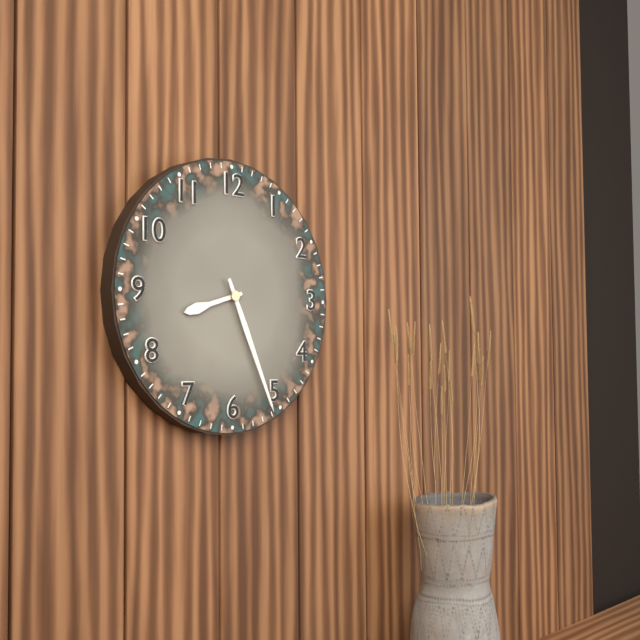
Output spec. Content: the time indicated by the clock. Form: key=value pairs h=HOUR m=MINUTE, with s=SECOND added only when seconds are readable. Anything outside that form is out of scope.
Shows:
h=8 m=26
